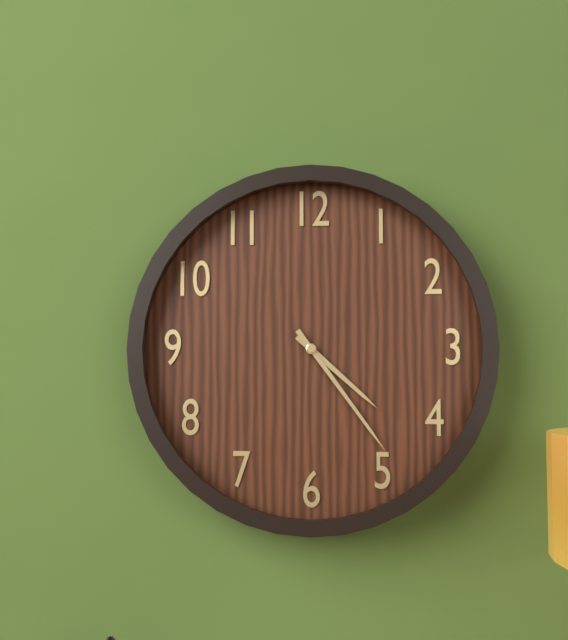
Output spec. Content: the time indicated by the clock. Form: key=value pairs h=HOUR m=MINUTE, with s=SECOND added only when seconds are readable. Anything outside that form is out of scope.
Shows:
h=4 m=24
